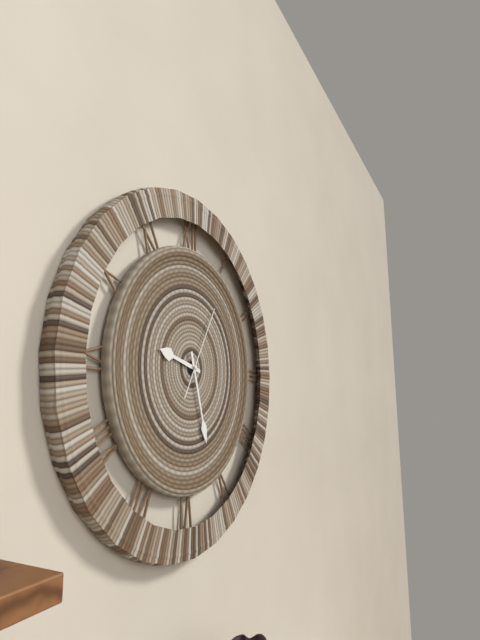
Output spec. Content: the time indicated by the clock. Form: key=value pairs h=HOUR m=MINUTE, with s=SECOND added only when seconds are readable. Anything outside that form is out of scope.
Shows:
h=9 m=27 s=5
